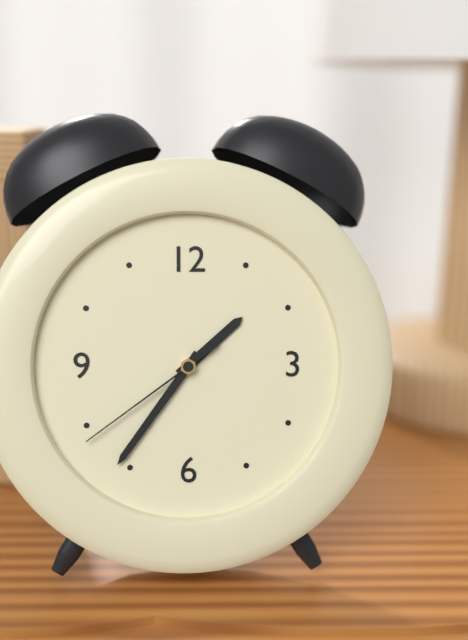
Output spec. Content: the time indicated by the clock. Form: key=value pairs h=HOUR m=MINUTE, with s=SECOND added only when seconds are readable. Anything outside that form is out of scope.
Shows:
h=1 m=36 s=39
